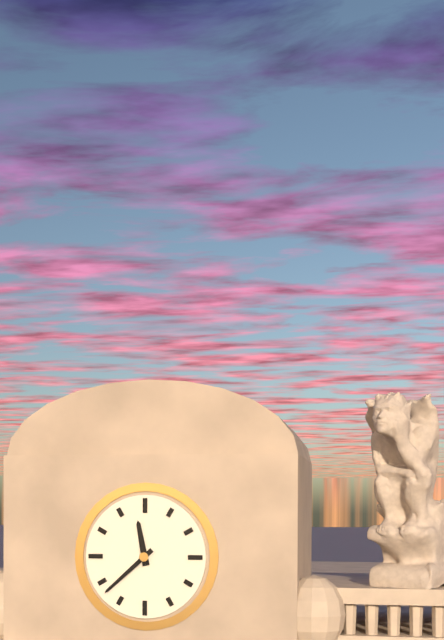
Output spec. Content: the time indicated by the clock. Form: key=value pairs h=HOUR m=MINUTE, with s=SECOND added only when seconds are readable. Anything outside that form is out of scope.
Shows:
h=11 m=38
